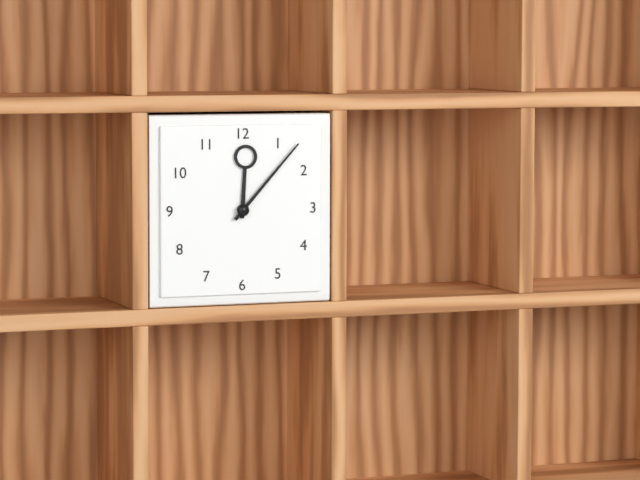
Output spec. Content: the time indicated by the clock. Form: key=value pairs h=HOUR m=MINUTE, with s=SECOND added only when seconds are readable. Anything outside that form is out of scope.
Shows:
h=12 m=7
